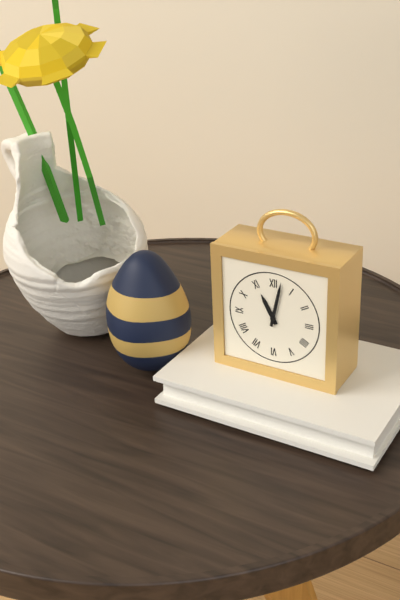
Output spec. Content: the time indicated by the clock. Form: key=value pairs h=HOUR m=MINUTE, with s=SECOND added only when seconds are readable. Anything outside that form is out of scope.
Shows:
h=11 m=2
